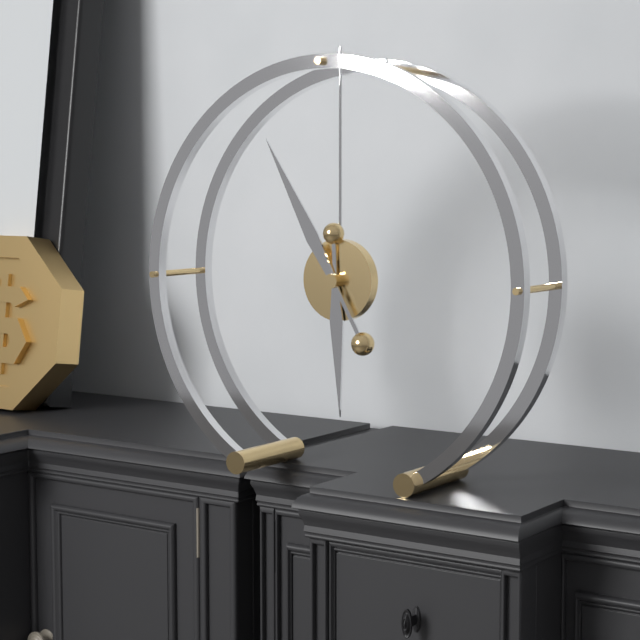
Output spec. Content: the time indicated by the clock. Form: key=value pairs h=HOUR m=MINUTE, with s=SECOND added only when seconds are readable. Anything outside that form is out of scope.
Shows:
h=5 m=55
